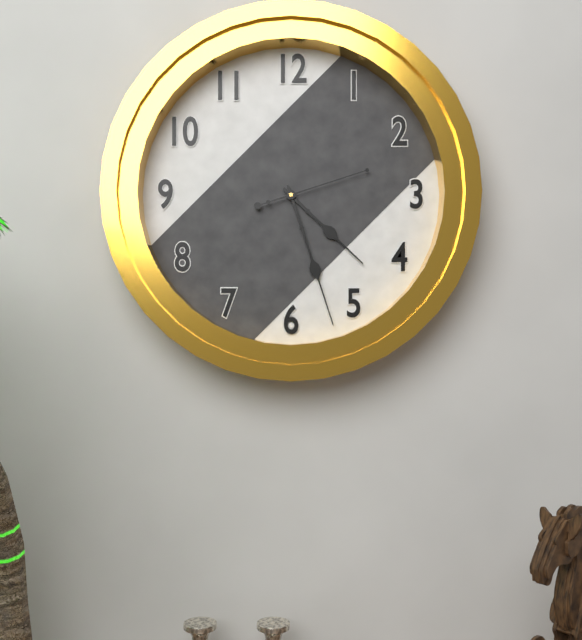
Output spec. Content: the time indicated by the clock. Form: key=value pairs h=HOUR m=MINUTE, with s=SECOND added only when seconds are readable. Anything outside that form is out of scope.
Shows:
h=4 m=27 s=12
